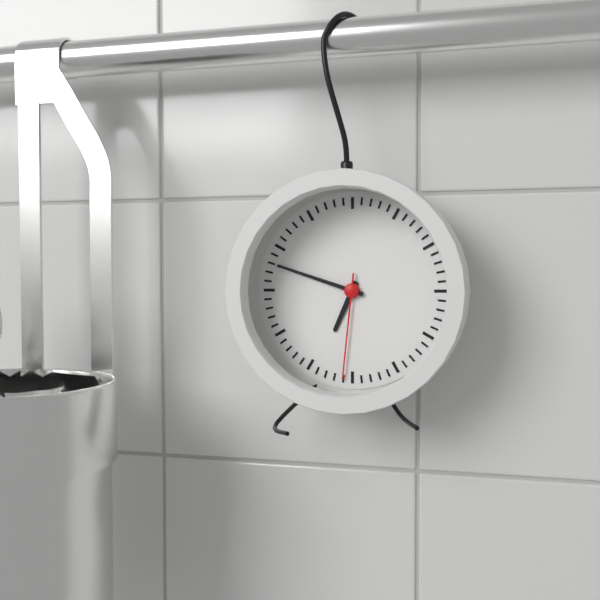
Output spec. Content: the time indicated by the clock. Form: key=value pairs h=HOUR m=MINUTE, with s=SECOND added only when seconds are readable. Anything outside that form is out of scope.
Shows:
h=6 m=48 s=31
